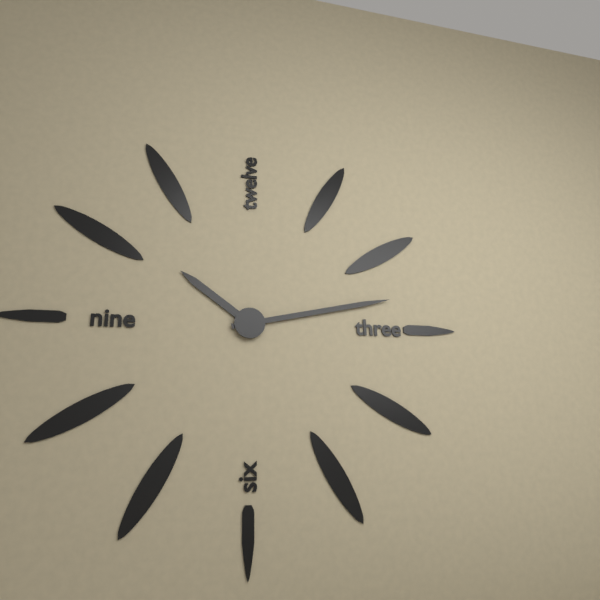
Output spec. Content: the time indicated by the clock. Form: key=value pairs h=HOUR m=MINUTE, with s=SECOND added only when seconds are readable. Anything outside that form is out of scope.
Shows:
h=10 m=13
